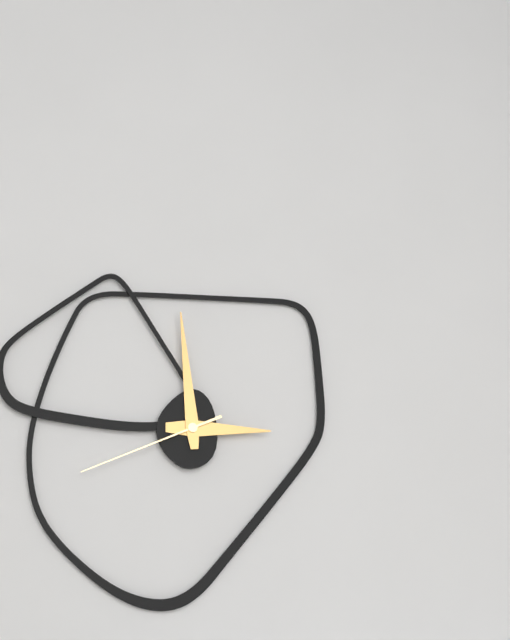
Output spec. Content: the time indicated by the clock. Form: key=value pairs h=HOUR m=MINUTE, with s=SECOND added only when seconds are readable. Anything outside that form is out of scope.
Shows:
h=2 m=59 s=41
